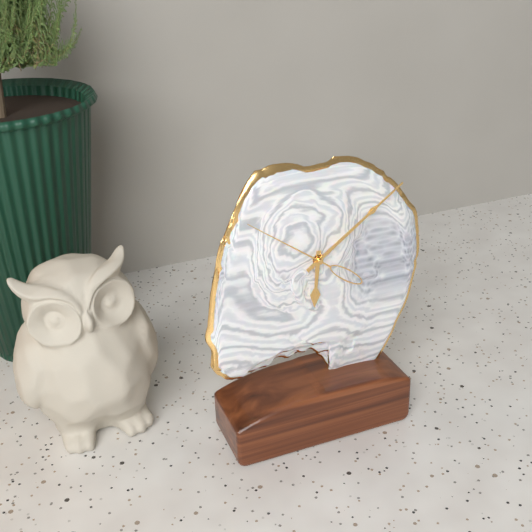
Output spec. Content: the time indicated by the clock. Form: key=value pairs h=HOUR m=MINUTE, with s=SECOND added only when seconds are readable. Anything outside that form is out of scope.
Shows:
h=6 m=9 s=51
